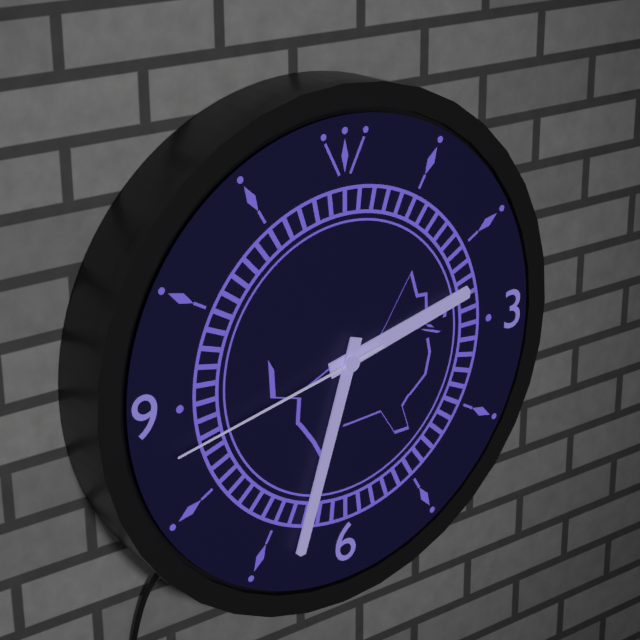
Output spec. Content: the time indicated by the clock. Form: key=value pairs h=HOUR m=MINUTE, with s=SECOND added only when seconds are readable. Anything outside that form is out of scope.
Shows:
h=2 m=33 s=43
